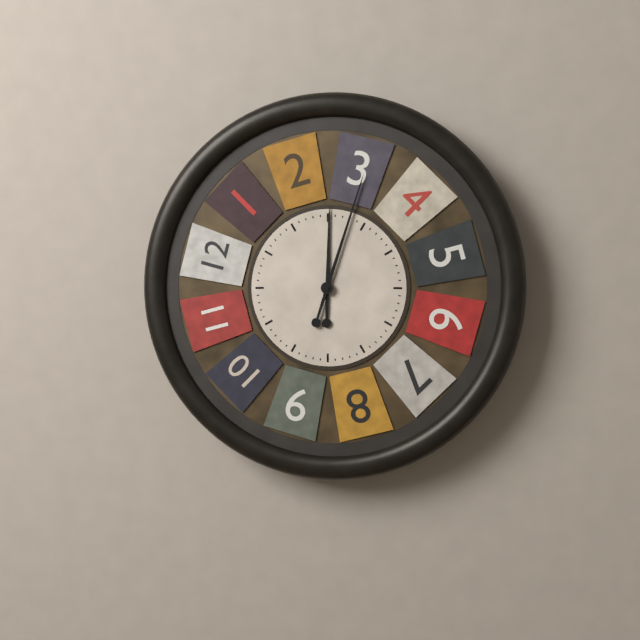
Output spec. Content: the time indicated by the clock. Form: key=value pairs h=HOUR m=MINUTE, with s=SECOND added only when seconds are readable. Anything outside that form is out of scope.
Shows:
h=12 m=3
